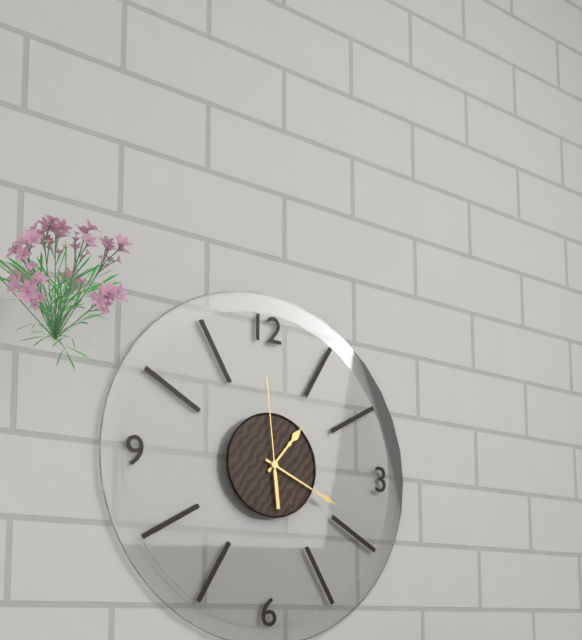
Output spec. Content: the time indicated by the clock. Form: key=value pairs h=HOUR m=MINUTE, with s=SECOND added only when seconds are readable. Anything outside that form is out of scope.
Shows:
h=1 m=19 s=59
